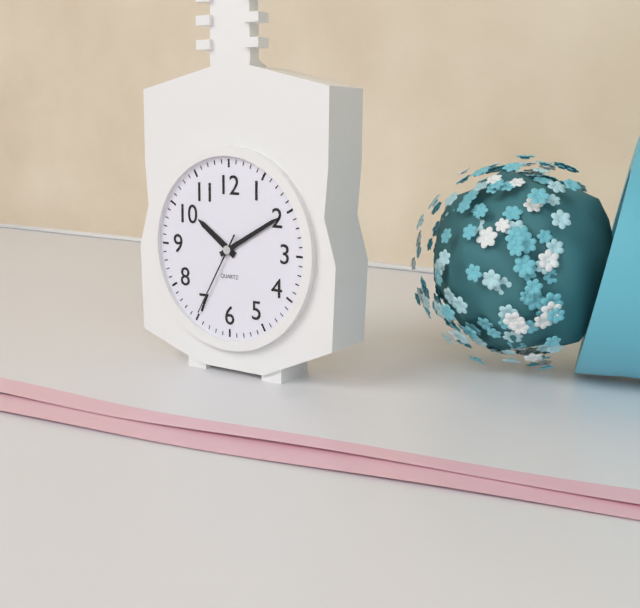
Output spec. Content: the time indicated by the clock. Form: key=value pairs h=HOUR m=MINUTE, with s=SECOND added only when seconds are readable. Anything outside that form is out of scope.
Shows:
h=10 m=10 s=35
